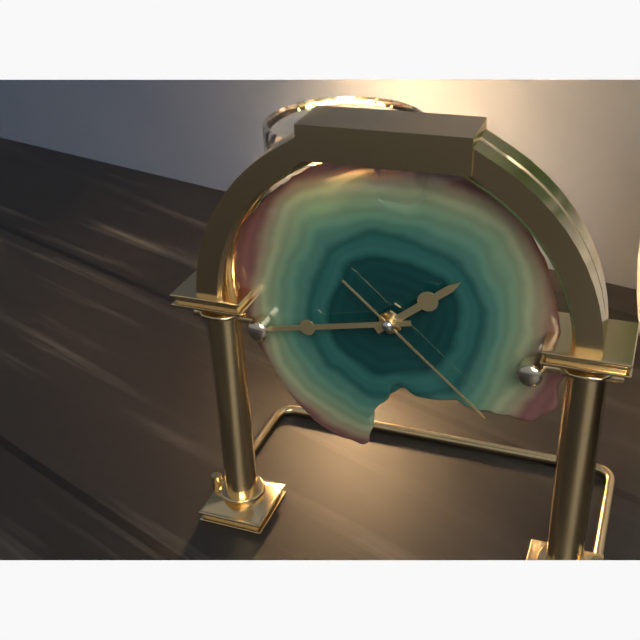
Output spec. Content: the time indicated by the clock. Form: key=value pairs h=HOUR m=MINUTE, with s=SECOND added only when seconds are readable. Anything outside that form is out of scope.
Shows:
h=1 m=43 s=22
